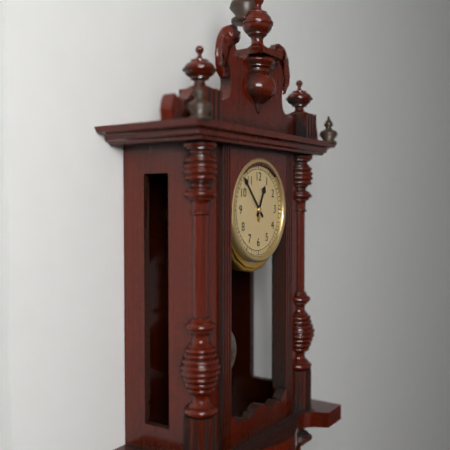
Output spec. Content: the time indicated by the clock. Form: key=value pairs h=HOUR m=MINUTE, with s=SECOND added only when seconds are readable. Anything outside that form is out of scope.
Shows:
h=12 m=53
